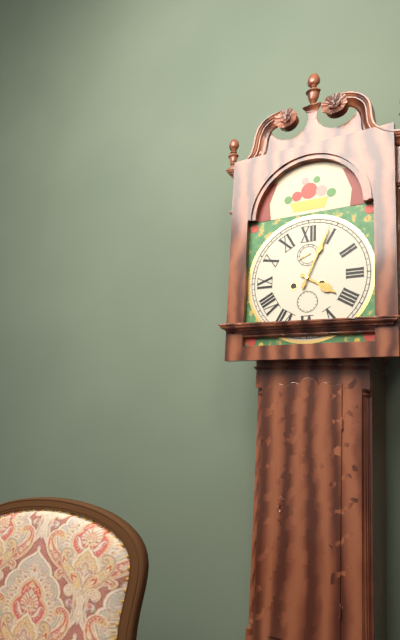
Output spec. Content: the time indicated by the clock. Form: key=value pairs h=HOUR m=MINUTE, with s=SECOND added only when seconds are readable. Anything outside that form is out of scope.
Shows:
h=4 m=4
